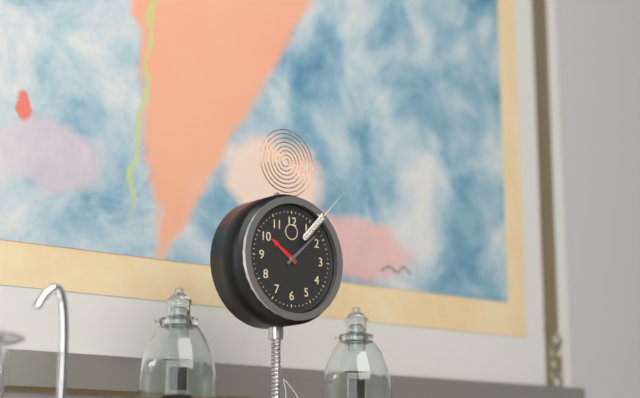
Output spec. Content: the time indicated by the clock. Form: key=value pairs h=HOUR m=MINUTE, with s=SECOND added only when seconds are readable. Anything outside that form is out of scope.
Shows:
h=10 m=8
